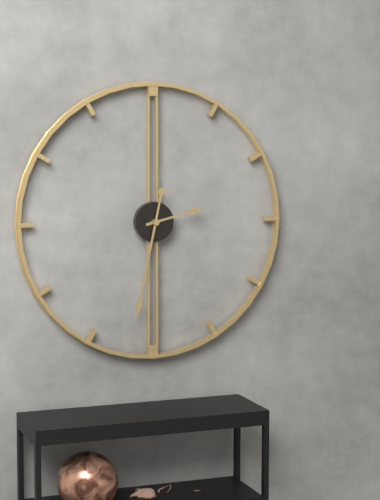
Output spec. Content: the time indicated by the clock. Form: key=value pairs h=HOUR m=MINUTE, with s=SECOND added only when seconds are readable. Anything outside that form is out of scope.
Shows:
h=2 m=32
